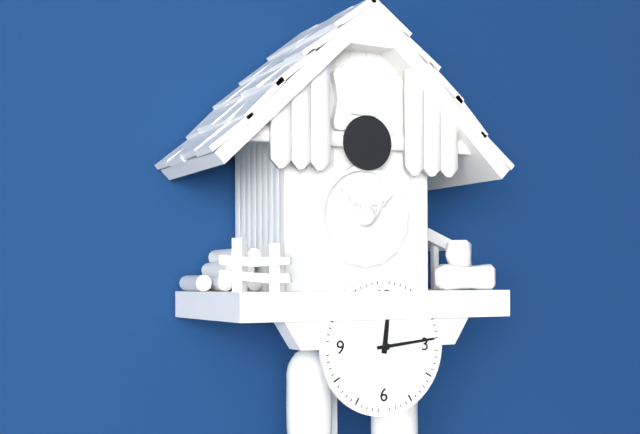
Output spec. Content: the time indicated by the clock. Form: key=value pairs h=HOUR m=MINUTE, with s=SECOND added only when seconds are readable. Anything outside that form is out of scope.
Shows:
h=12 m=14
